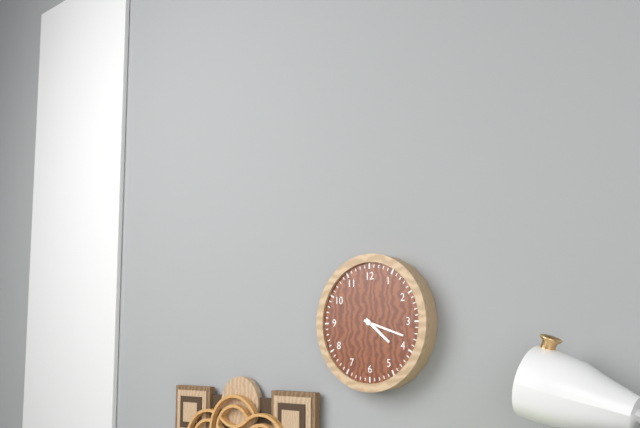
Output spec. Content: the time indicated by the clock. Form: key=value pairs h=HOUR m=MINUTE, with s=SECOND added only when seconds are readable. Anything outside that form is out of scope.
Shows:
h=4 m=18
